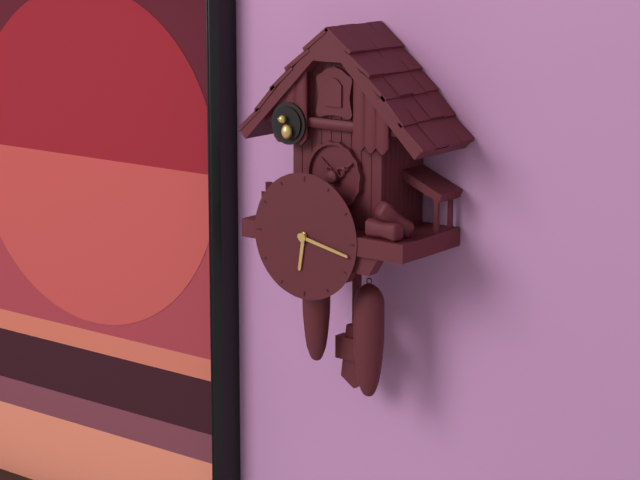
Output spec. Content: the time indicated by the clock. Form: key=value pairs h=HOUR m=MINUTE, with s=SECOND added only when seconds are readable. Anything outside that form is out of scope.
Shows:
h=6 m=17
